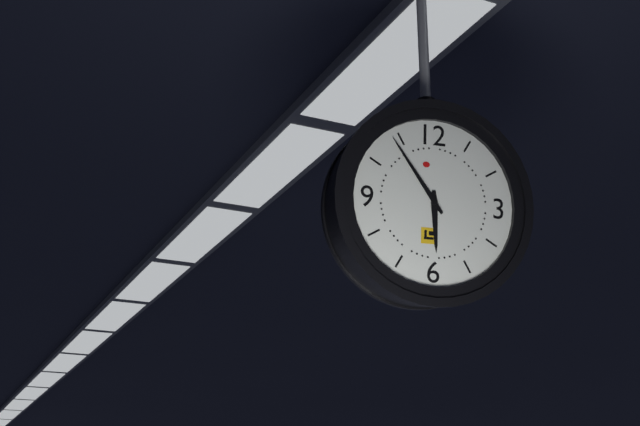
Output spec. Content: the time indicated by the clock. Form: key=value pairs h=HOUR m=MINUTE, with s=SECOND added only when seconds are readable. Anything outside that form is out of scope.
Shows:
h=5 m=54
